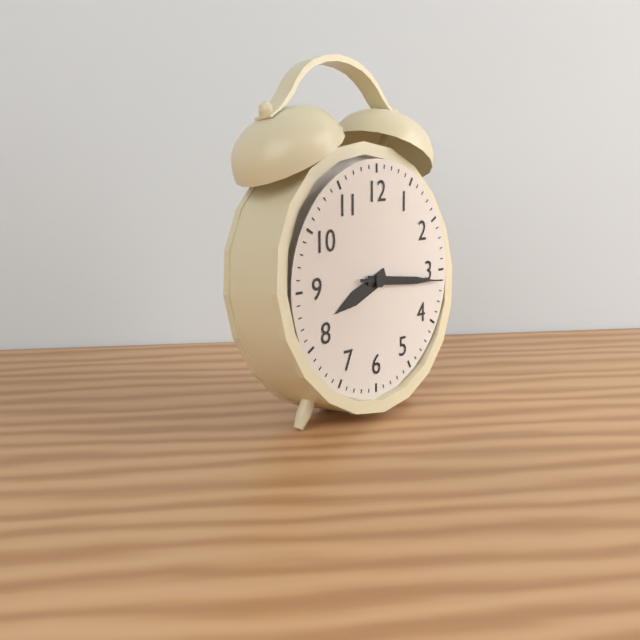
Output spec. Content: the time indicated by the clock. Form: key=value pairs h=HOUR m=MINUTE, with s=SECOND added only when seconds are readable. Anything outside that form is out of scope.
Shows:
h=8 m=16 s=16
